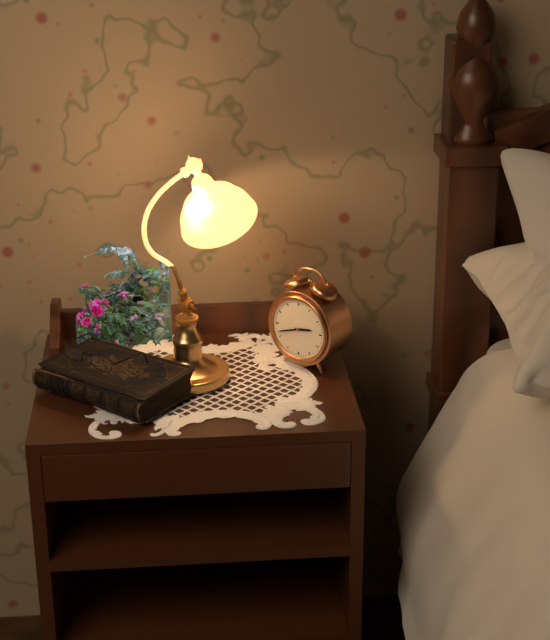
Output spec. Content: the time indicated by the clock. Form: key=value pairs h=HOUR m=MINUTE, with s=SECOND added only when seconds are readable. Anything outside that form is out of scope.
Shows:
h=2 m=42
